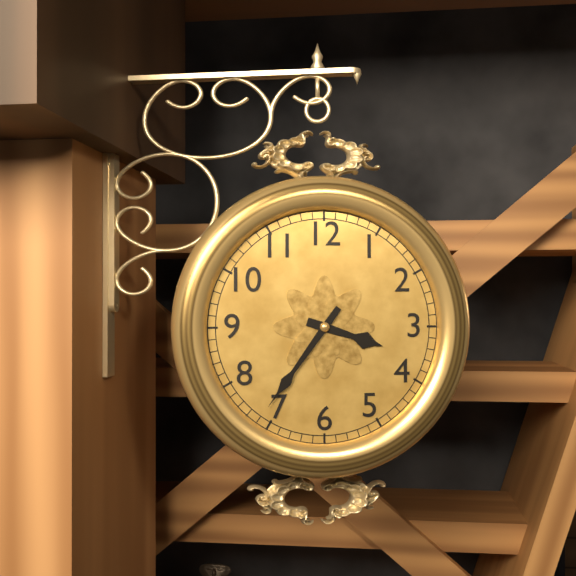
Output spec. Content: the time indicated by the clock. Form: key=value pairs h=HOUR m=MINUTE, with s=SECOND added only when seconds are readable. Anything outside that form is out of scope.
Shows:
h=3 m=36
